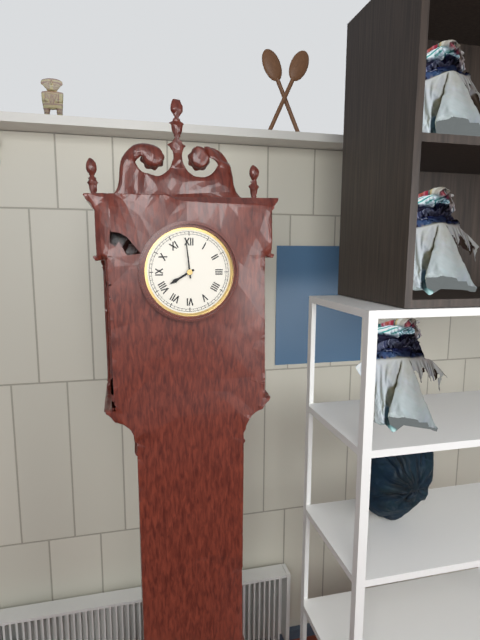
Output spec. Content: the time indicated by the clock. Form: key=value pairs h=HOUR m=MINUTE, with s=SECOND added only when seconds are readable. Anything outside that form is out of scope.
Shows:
h=7 m=59
